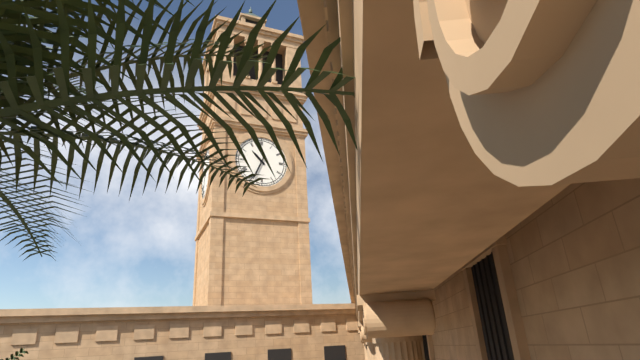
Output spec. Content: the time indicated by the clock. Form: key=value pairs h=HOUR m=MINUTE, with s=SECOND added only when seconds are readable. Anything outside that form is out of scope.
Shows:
h=10 m=34
